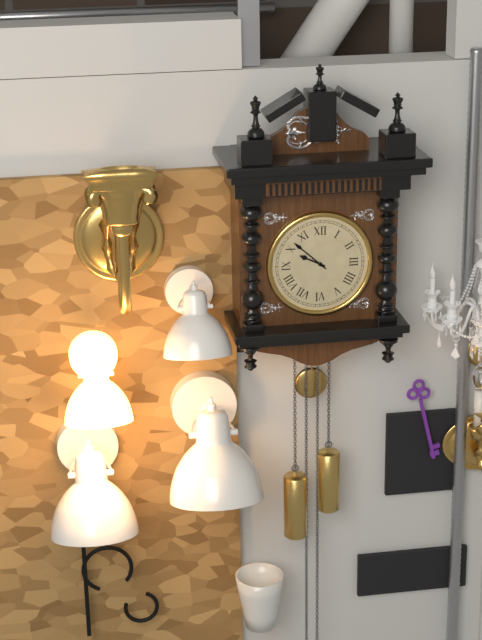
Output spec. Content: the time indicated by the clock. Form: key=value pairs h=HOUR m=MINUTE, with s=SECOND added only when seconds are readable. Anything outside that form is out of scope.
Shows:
h=9 m=52
